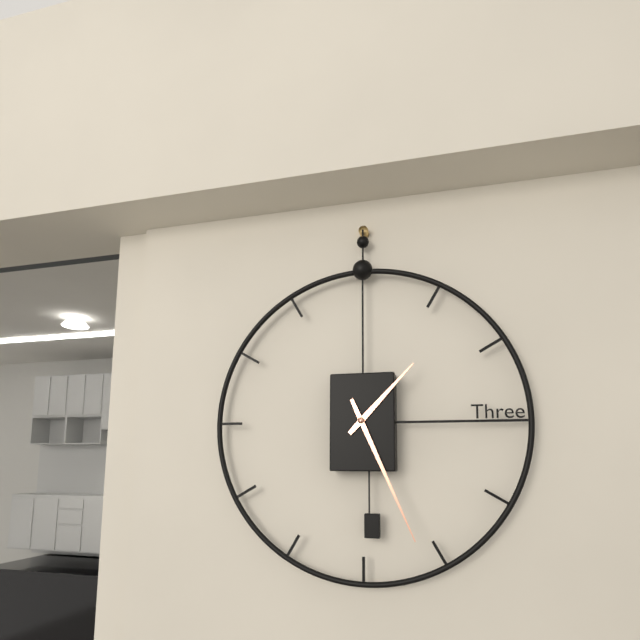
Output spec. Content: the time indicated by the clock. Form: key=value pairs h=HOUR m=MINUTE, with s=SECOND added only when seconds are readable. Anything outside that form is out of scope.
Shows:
h=1 m=26
